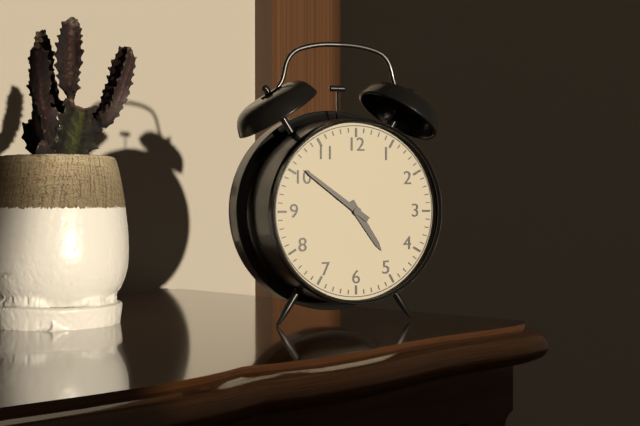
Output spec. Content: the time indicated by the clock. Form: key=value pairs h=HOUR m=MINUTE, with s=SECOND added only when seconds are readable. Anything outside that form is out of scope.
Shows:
h=4 m=51
